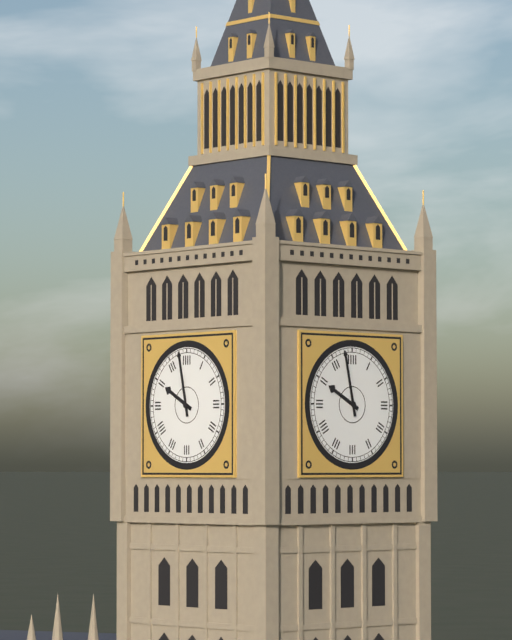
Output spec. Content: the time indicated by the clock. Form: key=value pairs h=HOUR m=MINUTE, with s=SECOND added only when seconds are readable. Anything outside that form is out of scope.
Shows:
h=9 m=58
